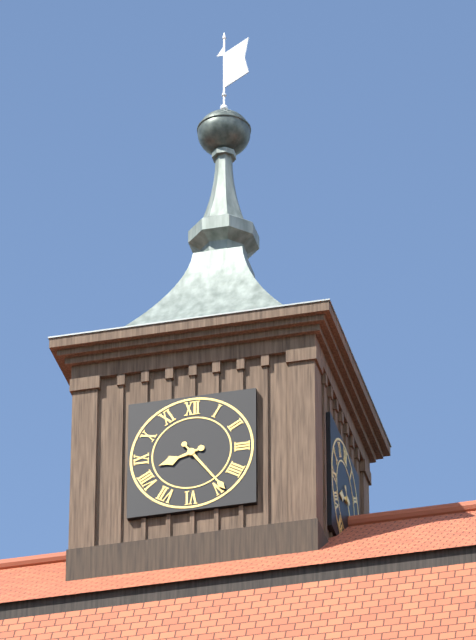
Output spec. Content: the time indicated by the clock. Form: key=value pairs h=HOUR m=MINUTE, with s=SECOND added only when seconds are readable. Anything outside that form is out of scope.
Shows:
h=8 m=24
